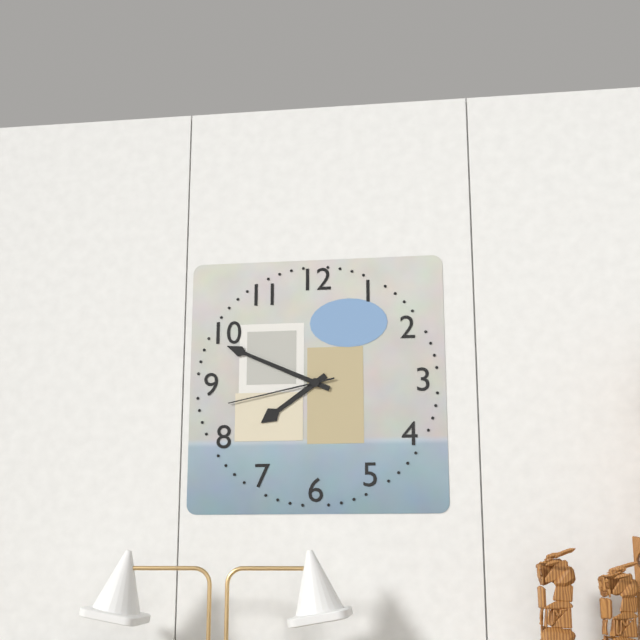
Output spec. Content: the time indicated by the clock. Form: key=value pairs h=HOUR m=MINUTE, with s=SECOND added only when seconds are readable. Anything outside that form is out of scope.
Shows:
h=7 m=49 s=43
